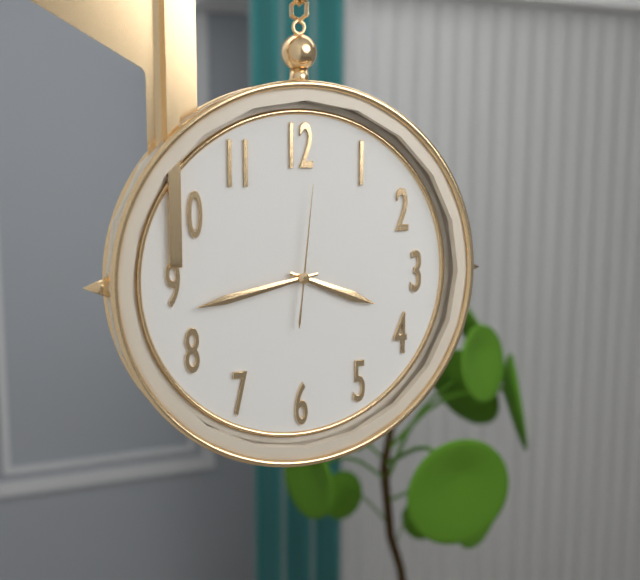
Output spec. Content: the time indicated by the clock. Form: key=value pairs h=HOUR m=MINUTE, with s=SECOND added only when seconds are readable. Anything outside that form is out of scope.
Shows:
h=3 m=43 s=1
